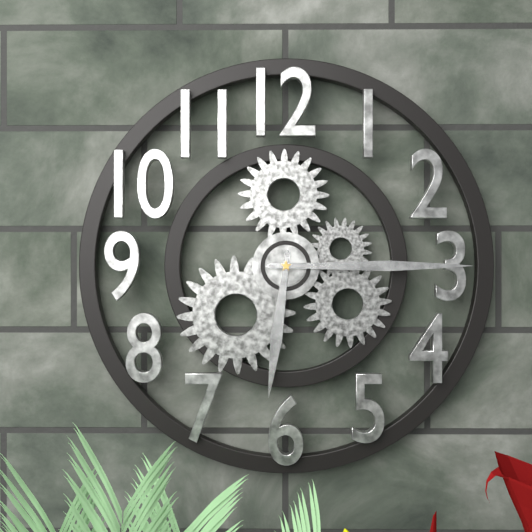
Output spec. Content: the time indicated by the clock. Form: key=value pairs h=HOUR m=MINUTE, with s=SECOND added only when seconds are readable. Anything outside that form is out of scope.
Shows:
h=6 m=15
